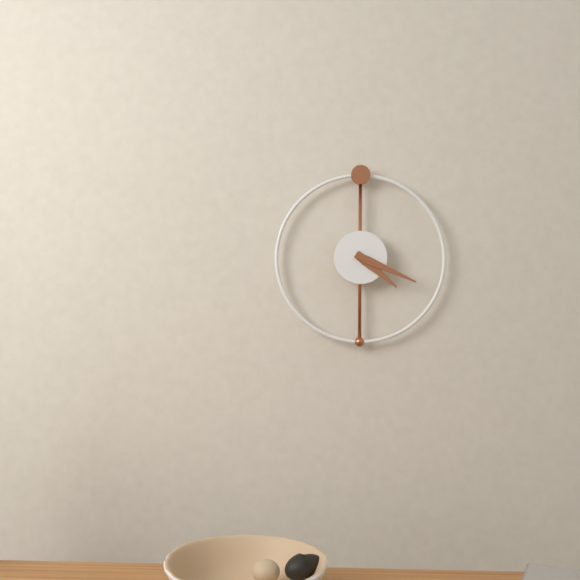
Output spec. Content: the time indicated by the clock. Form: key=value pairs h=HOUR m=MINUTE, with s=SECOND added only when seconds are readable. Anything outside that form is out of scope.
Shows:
h=4 m=19
